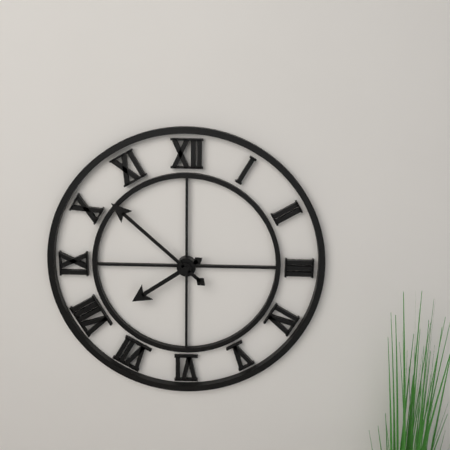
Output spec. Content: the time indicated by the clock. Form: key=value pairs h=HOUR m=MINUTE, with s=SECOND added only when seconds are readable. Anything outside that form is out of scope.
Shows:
h=7 m=52
